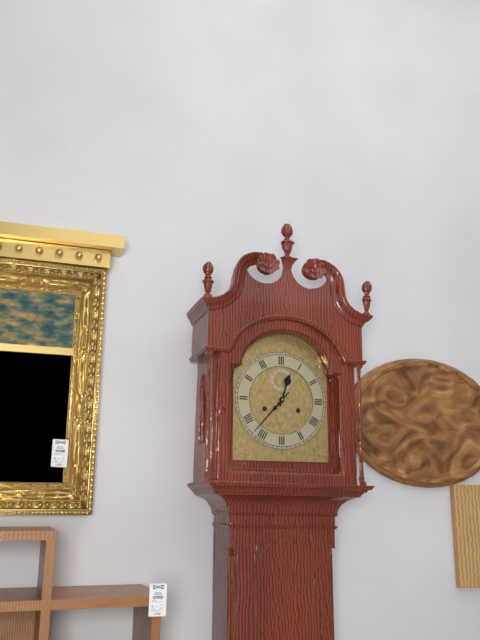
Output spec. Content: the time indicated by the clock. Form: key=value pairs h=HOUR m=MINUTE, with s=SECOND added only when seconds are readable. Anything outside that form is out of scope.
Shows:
h=12 m=37
